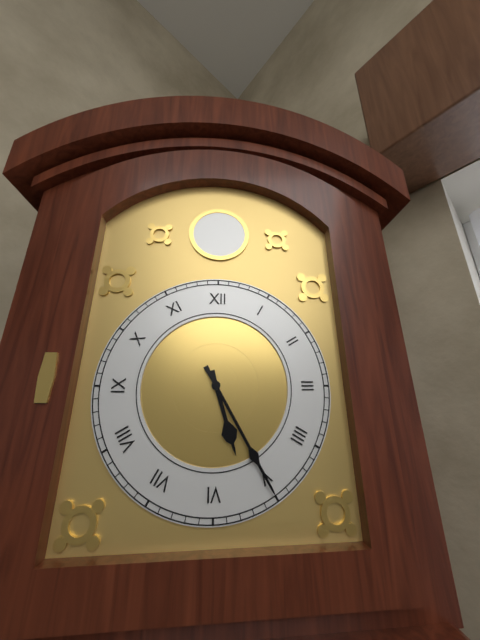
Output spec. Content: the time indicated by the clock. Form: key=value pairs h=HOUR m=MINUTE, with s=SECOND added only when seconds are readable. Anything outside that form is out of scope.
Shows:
h=5 m=25
